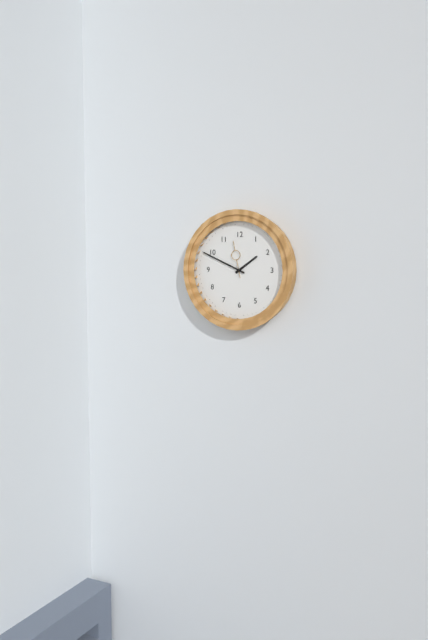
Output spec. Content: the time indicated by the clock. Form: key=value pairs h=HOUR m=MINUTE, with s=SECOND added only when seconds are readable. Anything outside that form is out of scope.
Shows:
h=1 m=49
